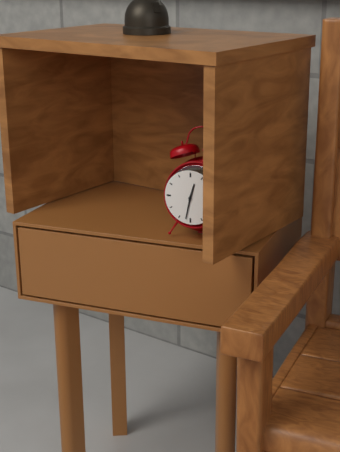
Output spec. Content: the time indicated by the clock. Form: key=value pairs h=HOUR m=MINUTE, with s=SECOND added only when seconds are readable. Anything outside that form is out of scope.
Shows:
h=12 m=32
